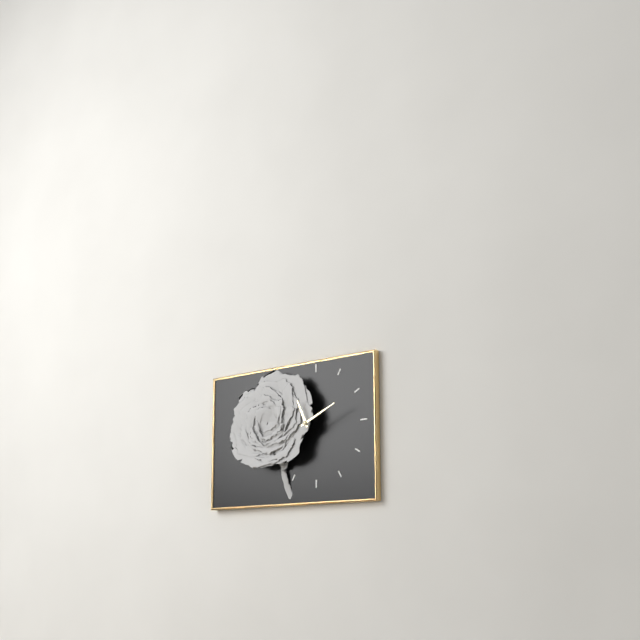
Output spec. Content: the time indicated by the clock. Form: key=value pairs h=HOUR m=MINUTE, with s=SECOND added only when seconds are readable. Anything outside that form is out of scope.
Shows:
h=11 m=11
